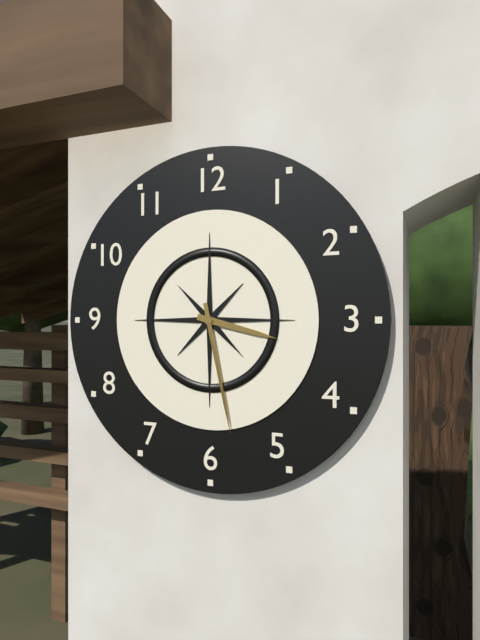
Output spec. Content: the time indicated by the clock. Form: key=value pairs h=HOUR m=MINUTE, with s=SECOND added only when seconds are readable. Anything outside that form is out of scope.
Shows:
h=3 m=28
